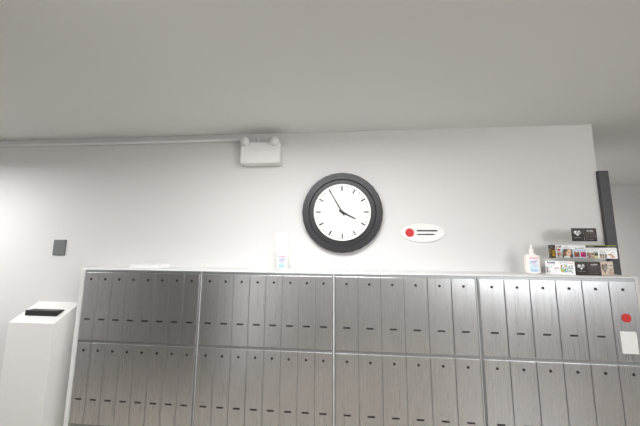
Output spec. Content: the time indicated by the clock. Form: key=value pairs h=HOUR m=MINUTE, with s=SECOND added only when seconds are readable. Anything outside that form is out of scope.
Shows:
h=3 m=55
